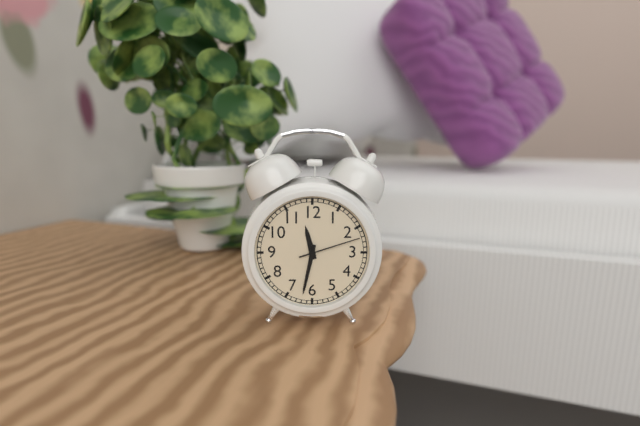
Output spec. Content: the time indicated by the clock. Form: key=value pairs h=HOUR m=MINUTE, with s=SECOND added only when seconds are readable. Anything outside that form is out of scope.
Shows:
h=11 m=32 s=12
